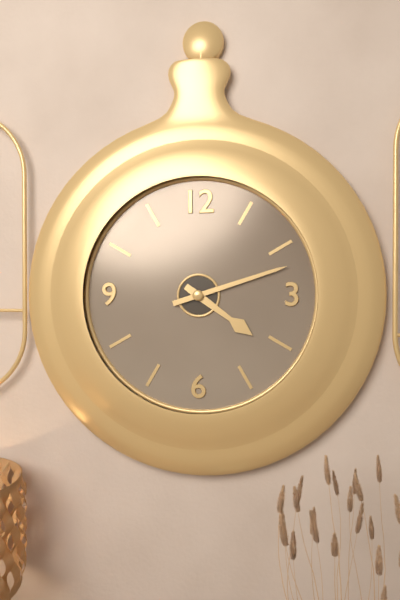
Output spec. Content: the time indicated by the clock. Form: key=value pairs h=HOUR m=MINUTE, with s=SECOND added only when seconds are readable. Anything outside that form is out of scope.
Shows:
h=4 m=12
